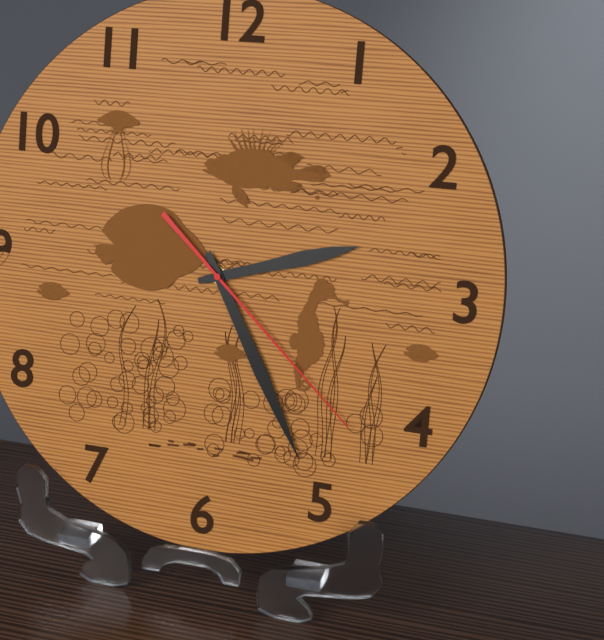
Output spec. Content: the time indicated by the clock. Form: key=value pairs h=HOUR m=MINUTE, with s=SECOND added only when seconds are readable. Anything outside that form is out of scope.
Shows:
h=2 m=25 s=22
